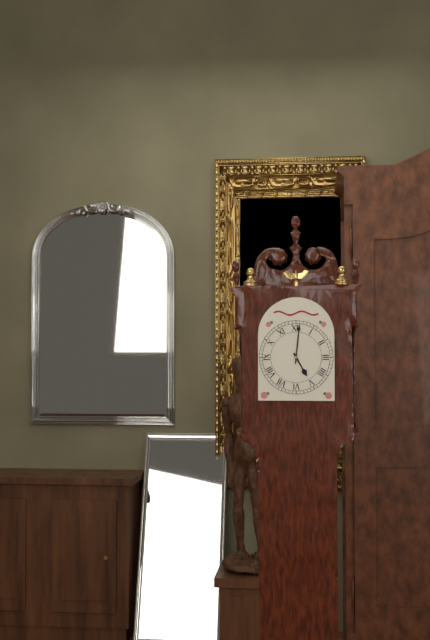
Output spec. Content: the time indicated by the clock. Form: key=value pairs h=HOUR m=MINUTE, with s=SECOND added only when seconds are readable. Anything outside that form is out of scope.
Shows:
h=5 m=1
